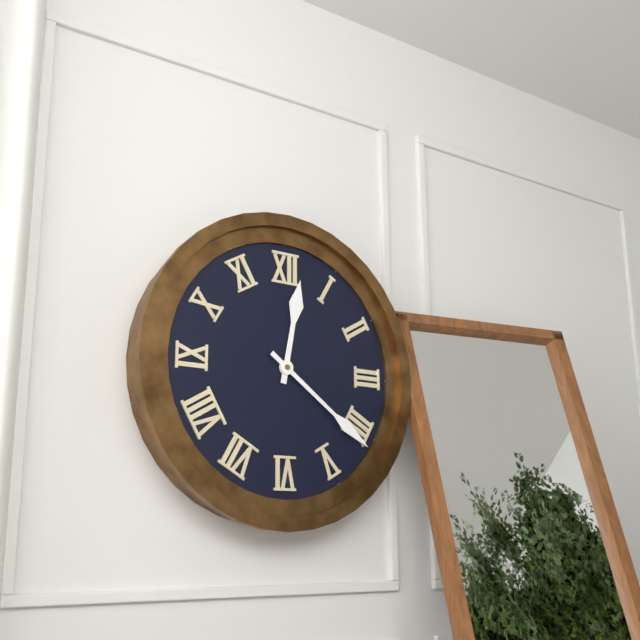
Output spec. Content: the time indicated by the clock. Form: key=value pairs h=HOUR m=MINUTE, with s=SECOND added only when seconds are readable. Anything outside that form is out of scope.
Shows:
h=12 m=21
